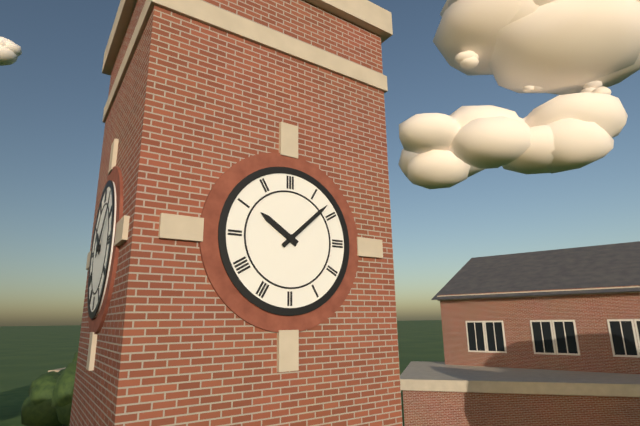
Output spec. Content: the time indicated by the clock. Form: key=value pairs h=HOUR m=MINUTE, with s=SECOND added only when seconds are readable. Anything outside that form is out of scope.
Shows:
h=10 m=8
